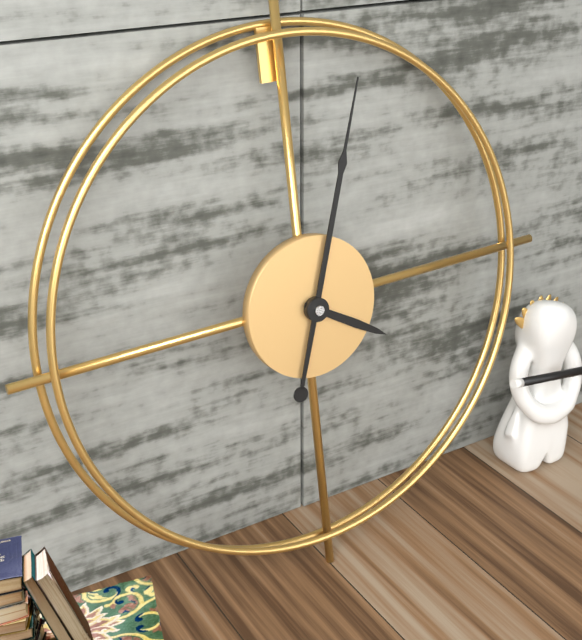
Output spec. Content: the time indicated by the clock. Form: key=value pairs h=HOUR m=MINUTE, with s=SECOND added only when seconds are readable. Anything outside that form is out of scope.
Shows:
h=4 m=3
